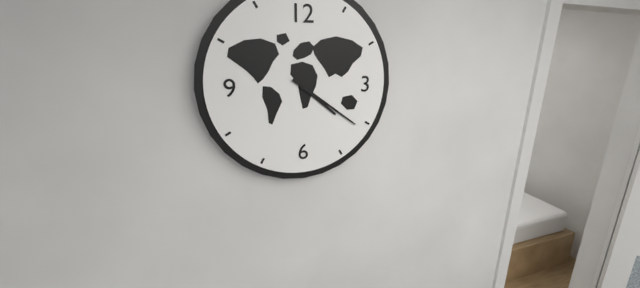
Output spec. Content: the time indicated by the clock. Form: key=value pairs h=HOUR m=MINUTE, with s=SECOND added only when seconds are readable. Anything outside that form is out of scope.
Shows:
h=4 m=21
